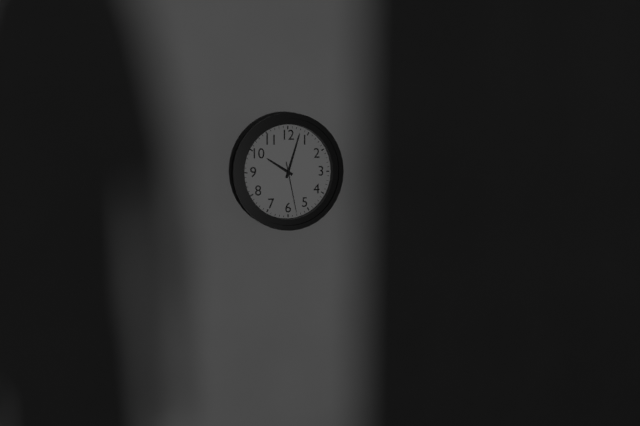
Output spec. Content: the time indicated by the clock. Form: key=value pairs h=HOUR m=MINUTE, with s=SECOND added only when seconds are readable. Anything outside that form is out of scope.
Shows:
h=10 m=3 s=28
